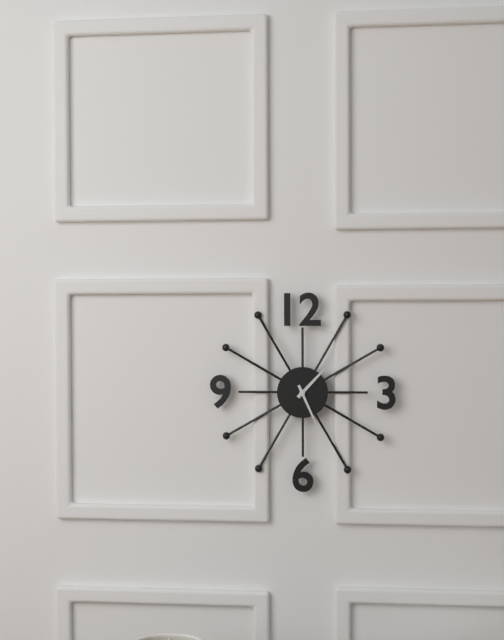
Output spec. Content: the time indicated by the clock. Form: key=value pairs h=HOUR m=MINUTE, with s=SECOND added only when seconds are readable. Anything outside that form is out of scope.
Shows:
h=1 m=26
